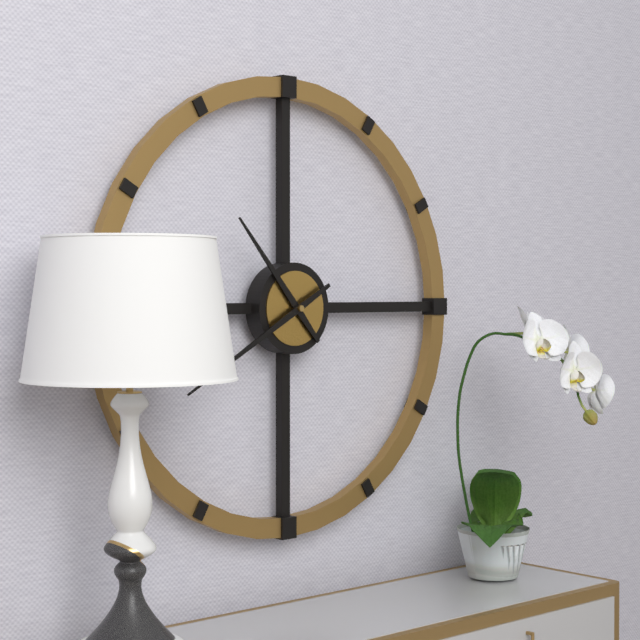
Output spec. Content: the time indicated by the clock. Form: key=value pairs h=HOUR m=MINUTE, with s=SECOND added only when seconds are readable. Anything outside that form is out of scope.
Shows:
h=10 m=40
